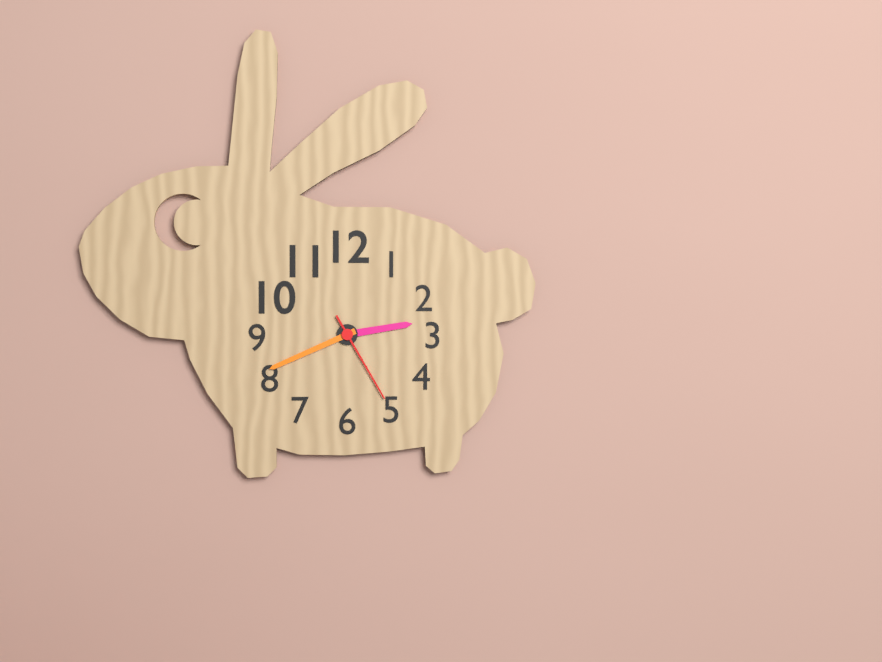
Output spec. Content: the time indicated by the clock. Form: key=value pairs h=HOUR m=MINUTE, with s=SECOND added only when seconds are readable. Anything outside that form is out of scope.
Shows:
h=2 m=41 s=25
